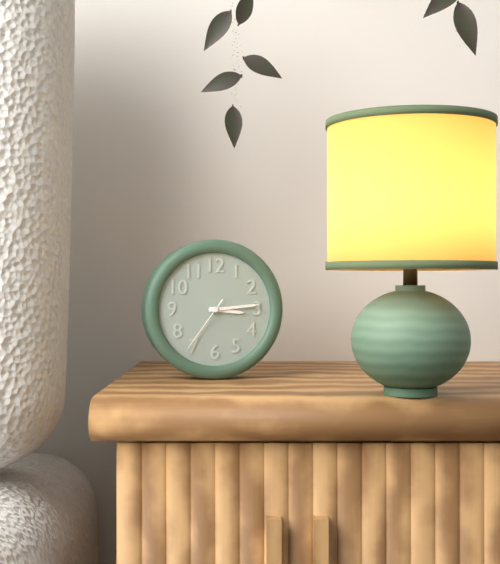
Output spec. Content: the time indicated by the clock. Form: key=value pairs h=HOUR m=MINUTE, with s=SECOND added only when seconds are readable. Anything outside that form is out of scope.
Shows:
h=3 m=14 s=36
